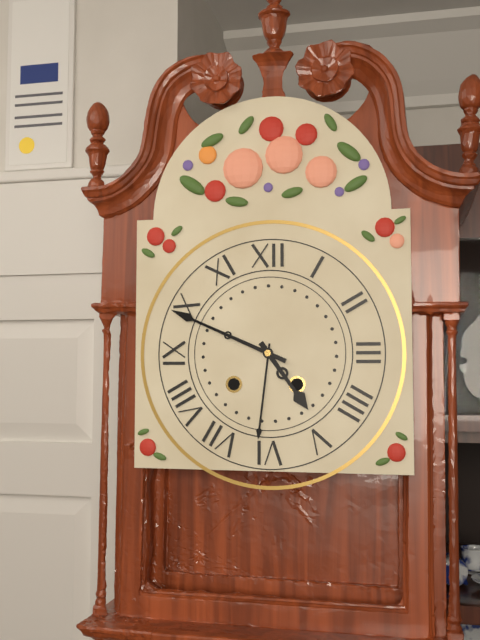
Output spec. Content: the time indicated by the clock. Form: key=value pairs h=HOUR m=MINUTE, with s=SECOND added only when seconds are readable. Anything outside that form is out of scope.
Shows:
h=4 m=49
